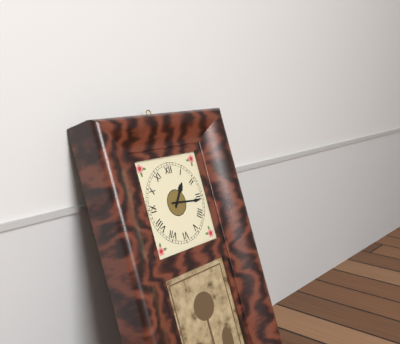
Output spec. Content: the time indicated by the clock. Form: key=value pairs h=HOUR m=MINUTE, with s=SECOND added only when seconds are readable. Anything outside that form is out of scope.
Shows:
h=1 m=16
